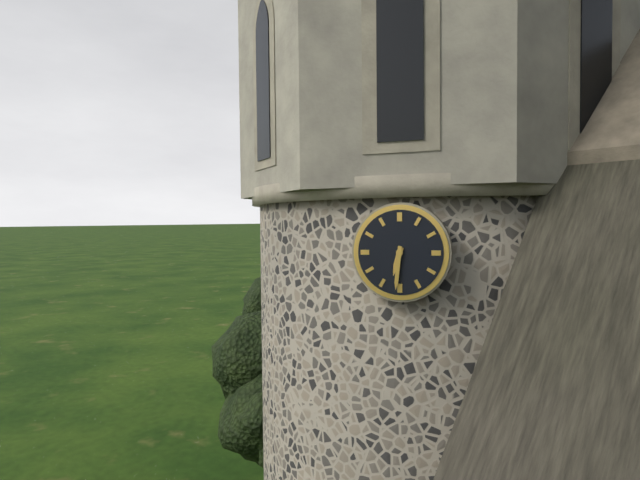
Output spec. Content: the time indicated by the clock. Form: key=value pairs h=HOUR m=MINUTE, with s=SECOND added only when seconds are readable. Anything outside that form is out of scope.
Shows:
h=6 m=31
